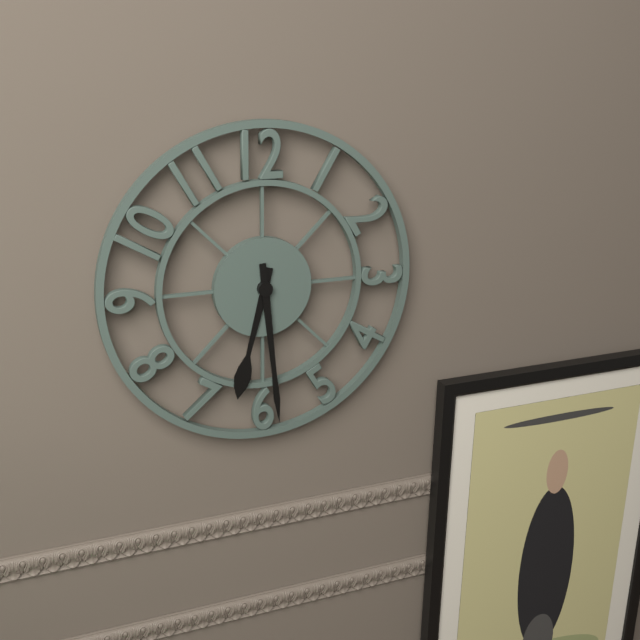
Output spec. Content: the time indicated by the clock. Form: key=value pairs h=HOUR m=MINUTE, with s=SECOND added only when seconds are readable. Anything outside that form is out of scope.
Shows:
h=6 m=29
